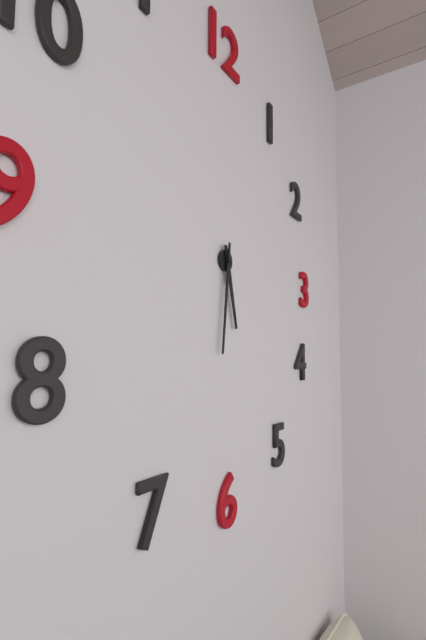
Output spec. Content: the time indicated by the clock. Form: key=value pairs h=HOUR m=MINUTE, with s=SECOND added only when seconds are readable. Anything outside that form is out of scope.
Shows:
h=5 m=31
